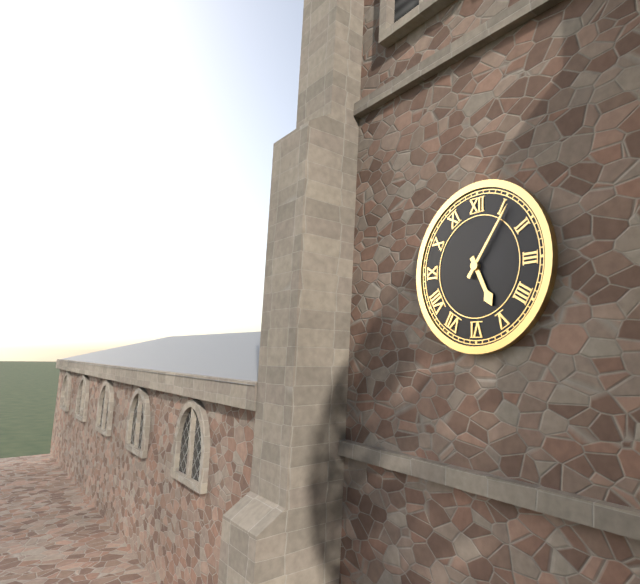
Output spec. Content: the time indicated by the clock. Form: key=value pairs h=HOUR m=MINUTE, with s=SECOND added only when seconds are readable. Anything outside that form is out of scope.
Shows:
h=5 m=6
